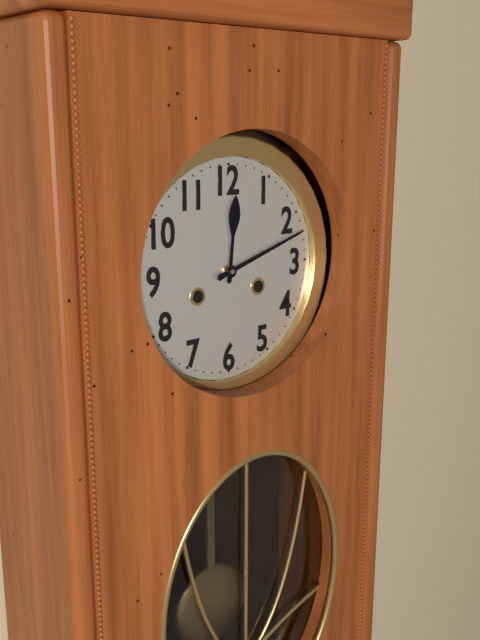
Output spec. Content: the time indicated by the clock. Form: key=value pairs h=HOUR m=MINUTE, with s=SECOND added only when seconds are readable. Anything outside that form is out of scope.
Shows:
h=12 m=12
